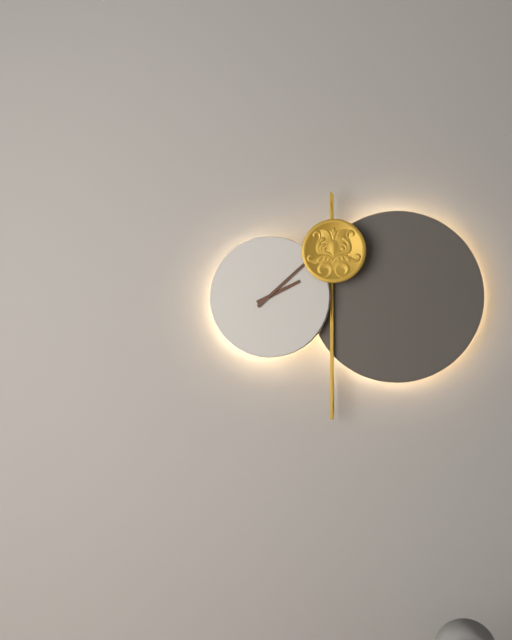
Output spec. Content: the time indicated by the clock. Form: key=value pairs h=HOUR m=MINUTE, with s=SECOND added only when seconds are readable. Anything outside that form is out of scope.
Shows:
h=2 m=8
